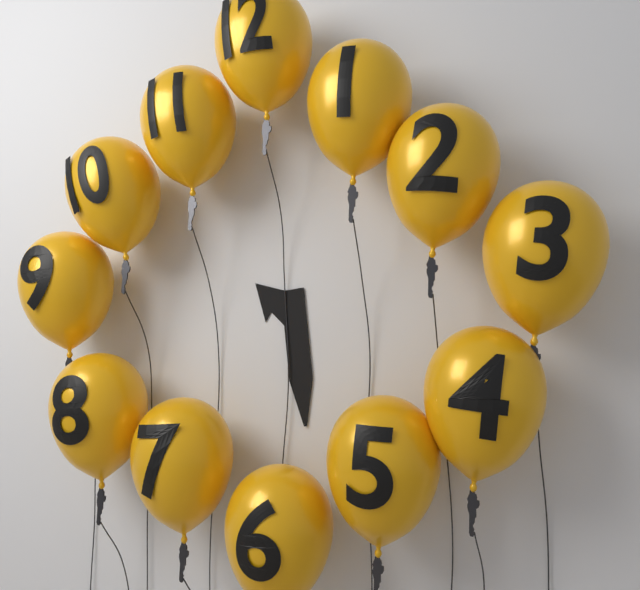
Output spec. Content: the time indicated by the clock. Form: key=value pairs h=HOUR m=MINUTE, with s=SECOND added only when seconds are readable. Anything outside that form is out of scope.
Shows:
h=10 m=29
